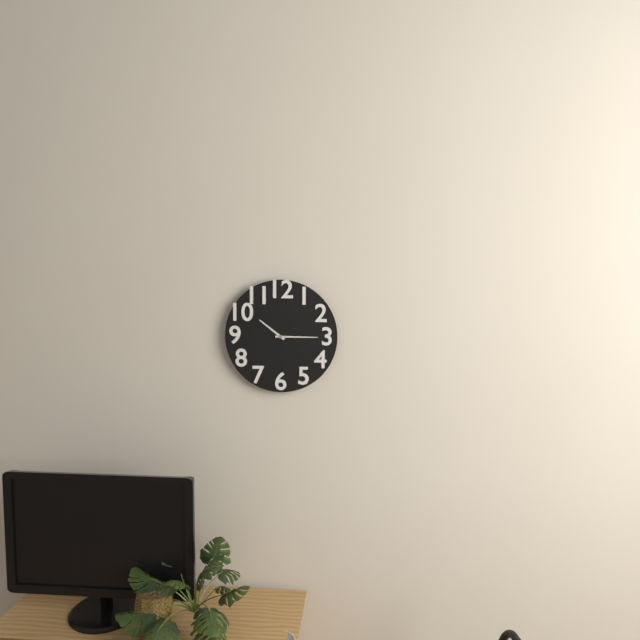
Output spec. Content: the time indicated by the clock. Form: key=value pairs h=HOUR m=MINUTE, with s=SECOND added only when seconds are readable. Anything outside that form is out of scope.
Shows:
h=10 m=15
